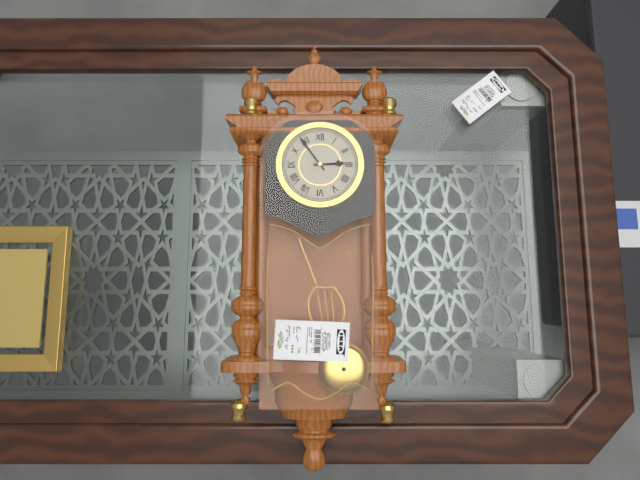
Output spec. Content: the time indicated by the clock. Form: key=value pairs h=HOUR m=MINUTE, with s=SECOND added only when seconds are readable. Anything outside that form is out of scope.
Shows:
h=2 m=54
